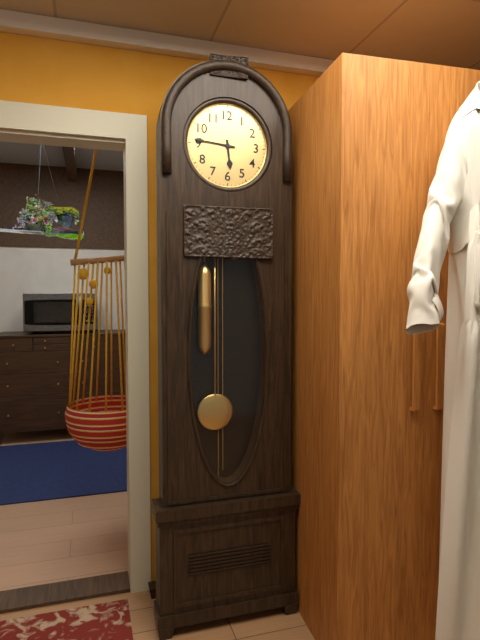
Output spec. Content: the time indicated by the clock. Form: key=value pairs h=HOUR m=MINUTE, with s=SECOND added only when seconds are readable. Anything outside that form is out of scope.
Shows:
h=5 m=46
